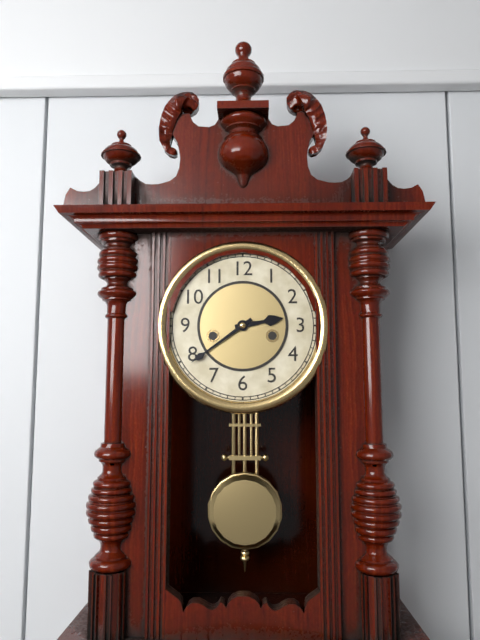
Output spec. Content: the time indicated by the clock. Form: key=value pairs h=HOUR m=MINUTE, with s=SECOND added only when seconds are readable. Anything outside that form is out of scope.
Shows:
h=2 m=39
